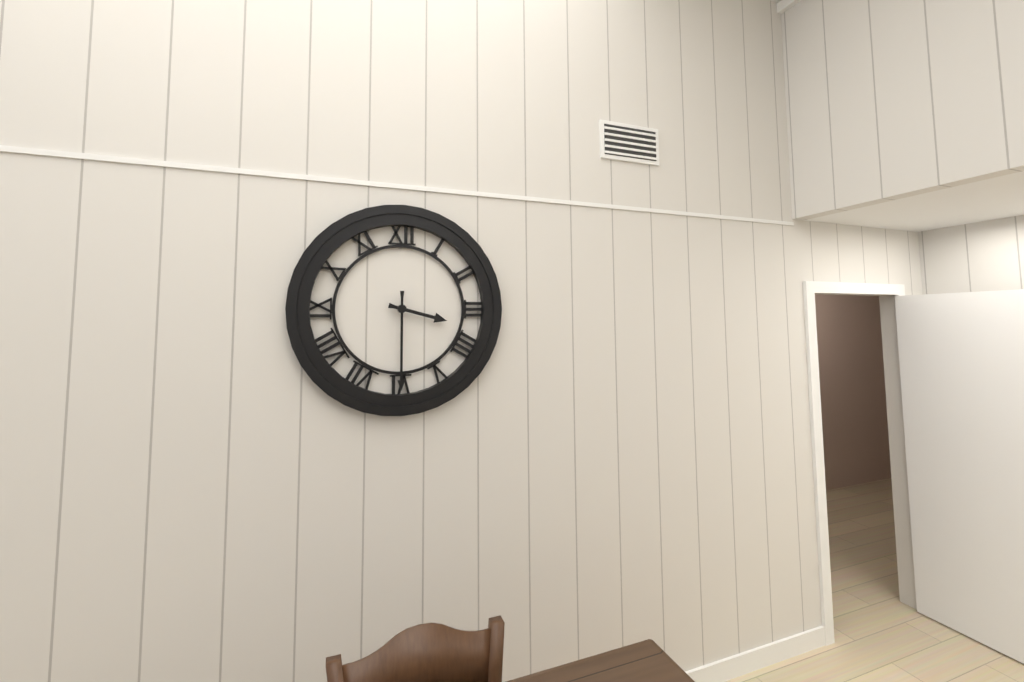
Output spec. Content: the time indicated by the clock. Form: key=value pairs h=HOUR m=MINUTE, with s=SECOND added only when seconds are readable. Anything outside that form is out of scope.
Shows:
h=3 m=30
